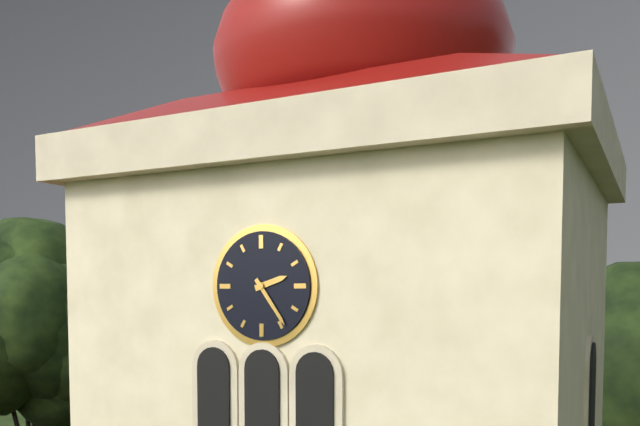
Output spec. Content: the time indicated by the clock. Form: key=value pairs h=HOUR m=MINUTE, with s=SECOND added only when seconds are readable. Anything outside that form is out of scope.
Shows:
h=2 m=24
